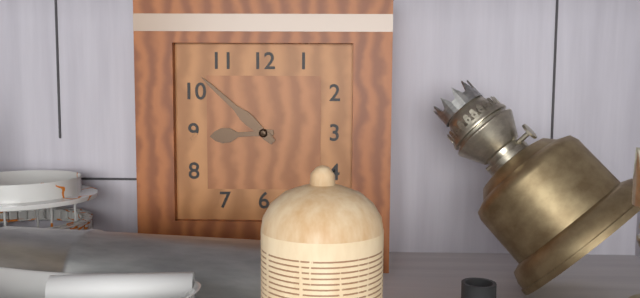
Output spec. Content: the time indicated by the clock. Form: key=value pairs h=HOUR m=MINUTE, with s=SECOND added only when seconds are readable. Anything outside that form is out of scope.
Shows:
h=8 m=52
